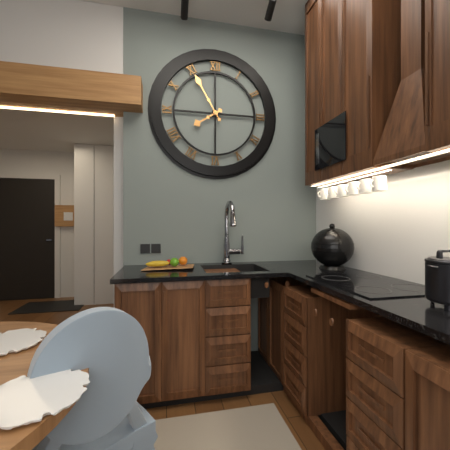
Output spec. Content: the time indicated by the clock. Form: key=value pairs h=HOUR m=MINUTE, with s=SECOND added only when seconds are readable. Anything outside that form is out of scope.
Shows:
h=7 m=55
